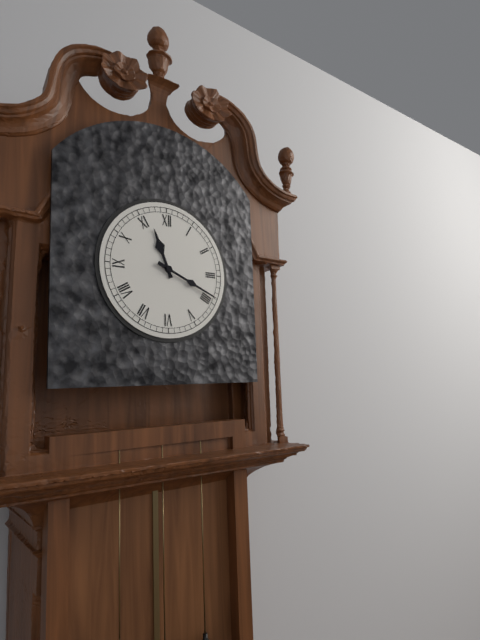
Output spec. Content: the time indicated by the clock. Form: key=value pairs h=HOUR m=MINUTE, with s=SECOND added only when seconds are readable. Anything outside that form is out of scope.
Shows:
h=11 m=19
